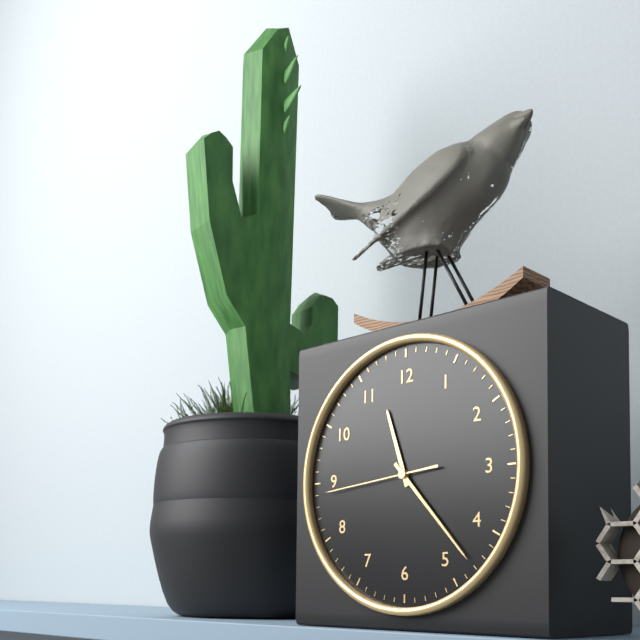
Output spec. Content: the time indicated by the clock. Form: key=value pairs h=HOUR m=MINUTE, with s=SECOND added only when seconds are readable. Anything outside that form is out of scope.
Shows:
h=11 m=23 s=44
